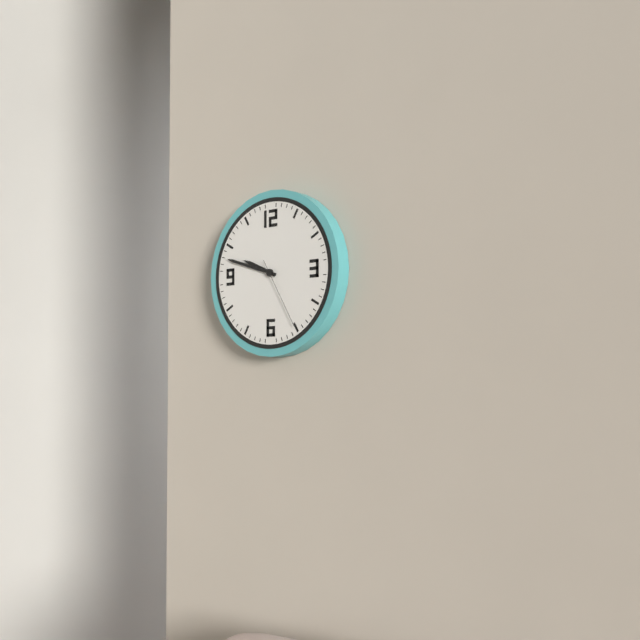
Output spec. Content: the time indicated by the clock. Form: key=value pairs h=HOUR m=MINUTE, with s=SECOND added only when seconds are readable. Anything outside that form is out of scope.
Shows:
h=9 m=48 s=25
